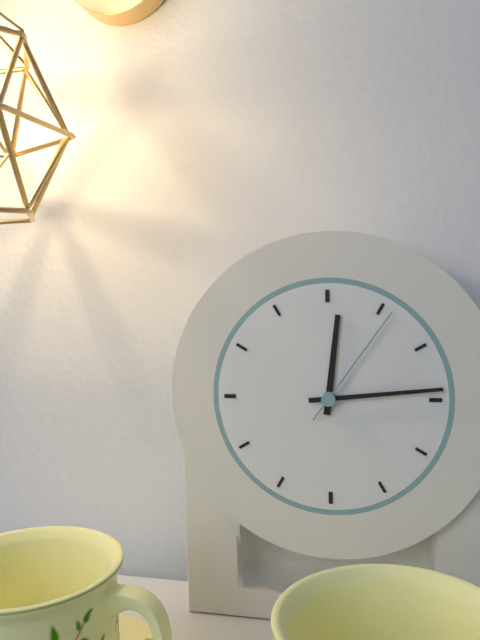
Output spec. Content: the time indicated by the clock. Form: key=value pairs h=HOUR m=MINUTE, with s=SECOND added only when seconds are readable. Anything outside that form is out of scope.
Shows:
h=12 m=14 s=6
